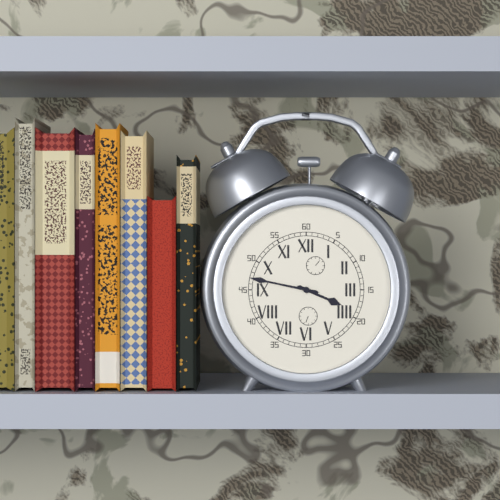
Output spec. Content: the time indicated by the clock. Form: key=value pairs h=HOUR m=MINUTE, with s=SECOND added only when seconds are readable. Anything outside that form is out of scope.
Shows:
h=3 m=47
